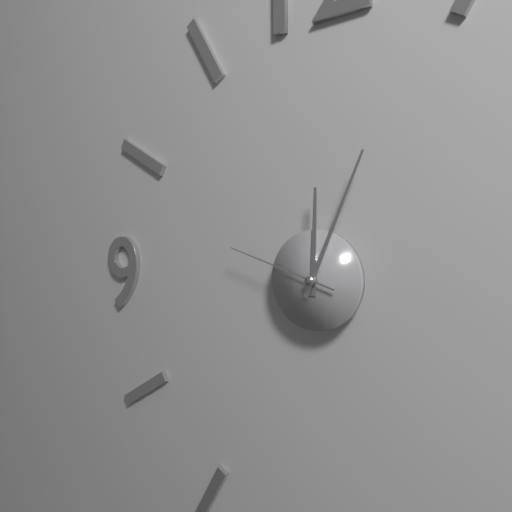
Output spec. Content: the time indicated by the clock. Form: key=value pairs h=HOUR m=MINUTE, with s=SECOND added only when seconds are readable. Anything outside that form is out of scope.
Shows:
h=12 m=4 s=48
